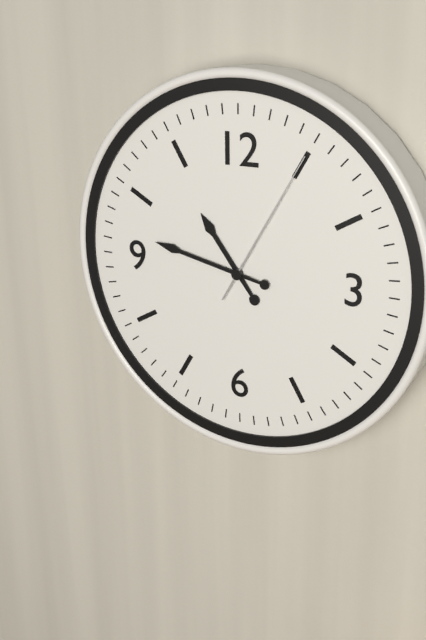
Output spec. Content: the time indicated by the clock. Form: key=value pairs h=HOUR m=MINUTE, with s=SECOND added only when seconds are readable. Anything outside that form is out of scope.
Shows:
h=10 m=47 s=5
